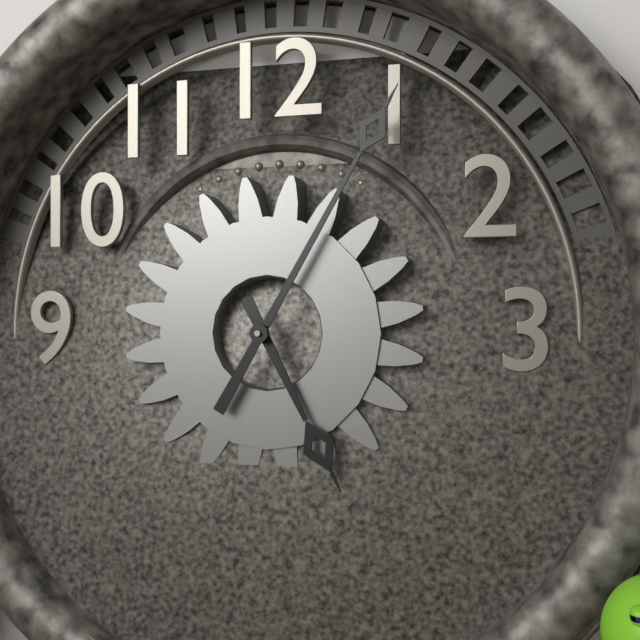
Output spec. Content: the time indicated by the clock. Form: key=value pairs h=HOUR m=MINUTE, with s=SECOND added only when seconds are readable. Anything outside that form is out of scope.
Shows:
h=5 m=5
